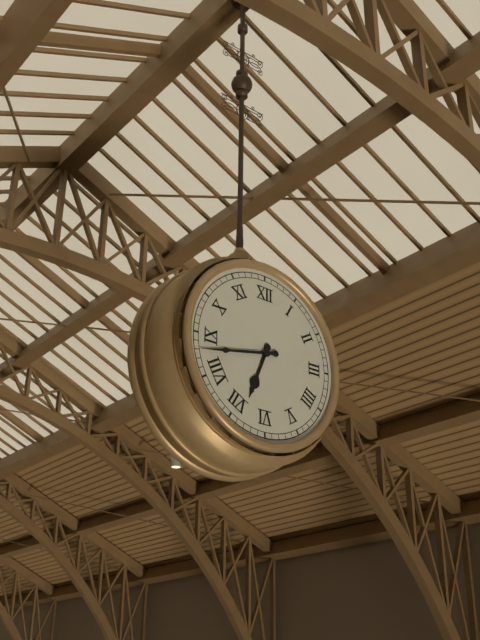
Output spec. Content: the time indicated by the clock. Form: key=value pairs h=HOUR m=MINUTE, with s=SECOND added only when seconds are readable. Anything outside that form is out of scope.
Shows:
h=6 m=43
